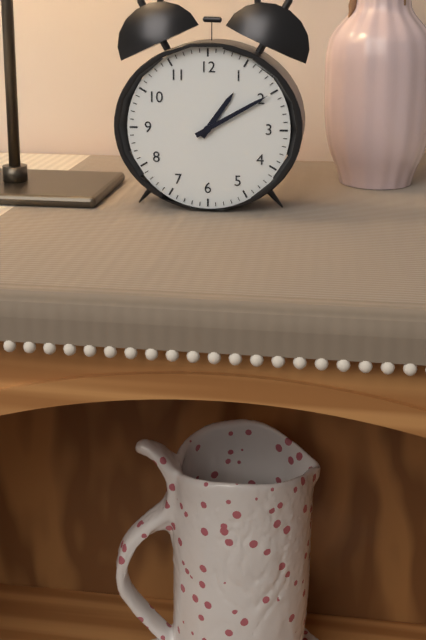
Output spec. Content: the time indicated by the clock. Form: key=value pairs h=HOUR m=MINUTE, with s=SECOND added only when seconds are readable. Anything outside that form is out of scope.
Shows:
h=1 m=10
